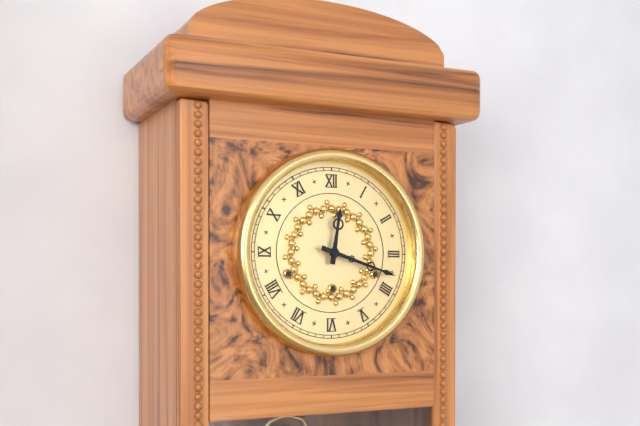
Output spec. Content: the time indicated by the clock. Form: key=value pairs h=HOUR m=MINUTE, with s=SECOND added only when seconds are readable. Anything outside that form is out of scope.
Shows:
h=12 m=18
